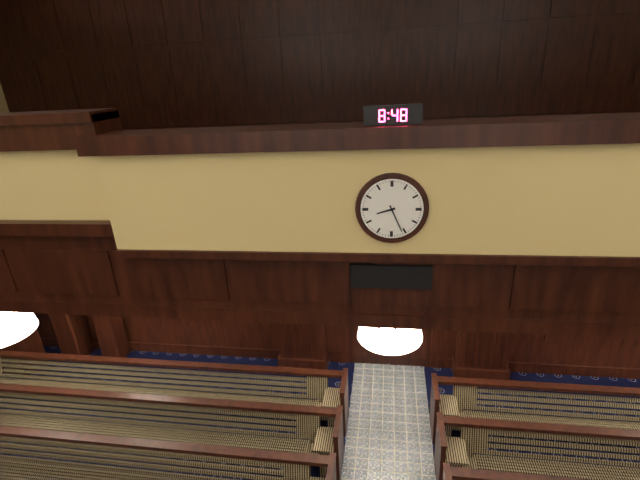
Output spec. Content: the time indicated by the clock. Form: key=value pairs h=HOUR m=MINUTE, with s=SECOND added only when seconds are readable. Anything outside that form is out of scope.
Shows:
h=8 m=26
